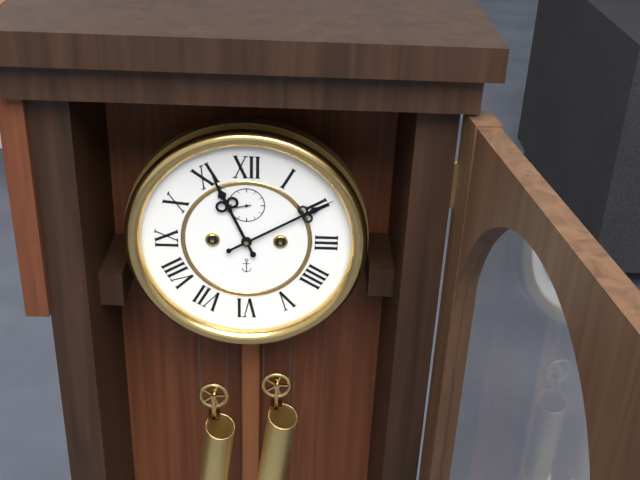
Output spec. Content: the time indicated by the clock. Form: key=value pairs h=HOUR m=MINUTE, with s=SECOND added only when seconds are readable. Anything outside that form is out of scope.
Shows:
h=11 m=10
